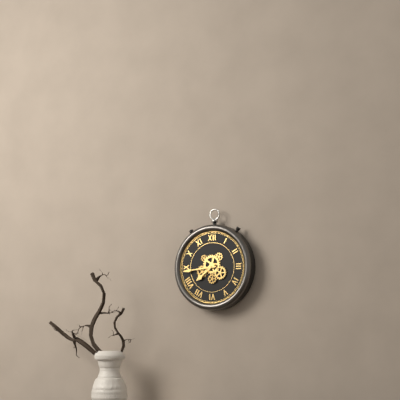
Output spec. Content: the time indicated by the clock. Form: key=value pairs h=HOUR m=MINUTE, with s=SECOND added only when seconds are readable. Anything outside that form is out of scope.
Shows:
h=7 m=44
